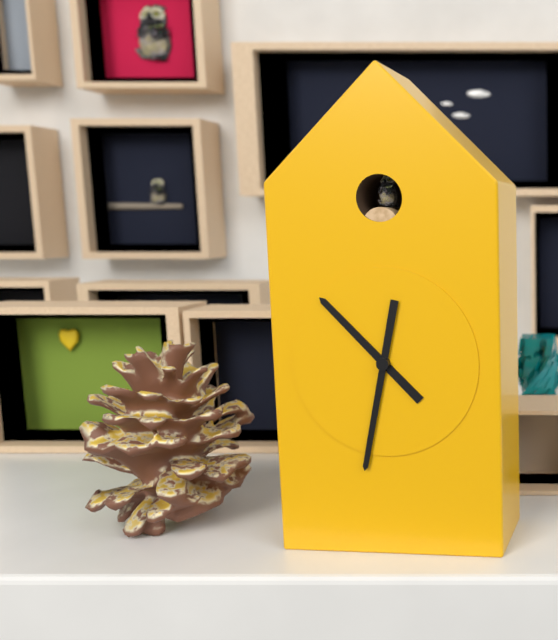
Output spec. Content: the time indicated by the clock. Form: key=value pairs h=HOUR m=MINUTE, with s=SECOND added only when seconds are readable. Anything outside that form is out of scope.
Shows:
h=10 m=32
